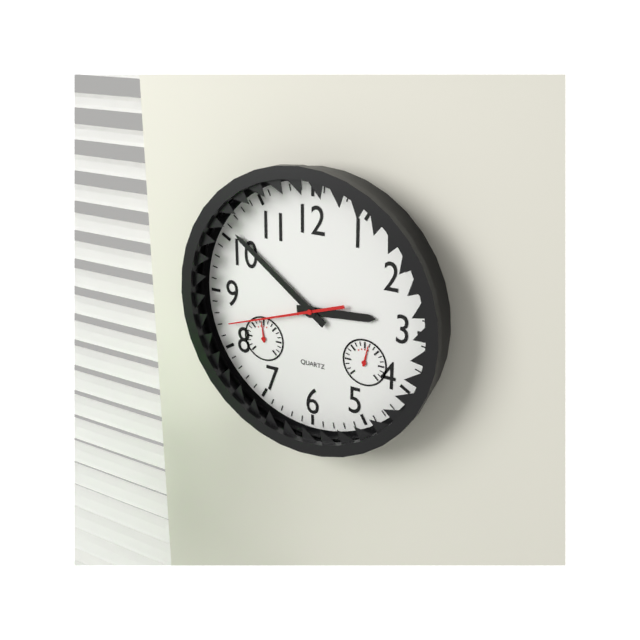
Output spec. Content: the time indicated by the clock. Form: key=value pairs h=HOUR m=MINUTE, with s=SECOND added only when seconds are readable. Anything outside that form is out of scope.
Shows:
h=2 m=51 s=42
